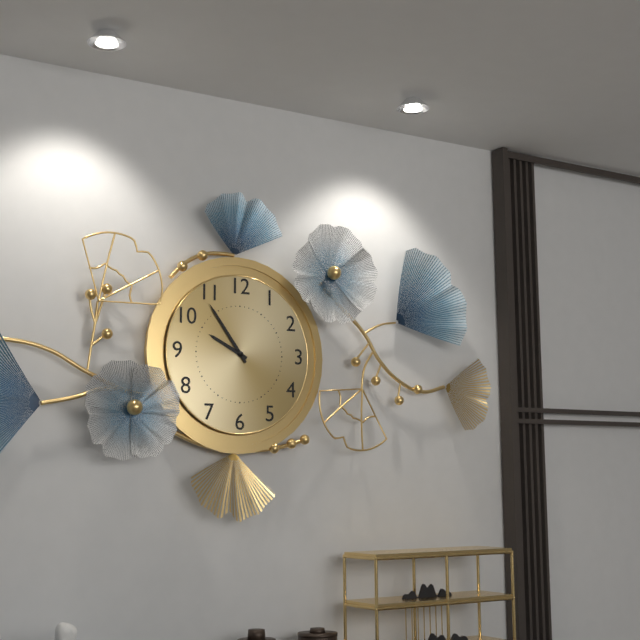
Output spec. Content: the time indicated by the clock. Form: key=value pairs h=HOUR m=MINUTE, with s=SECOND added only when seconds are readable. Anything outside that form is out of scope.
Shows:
h=9 m=54
